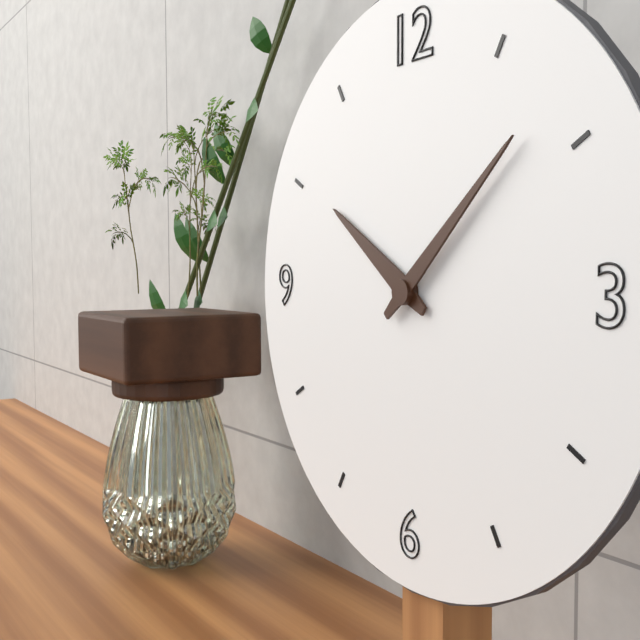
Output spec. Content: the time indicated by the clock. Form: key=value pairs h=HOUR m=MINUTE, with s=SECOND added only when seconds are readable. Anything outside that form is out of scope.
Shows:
h=10 m=8
